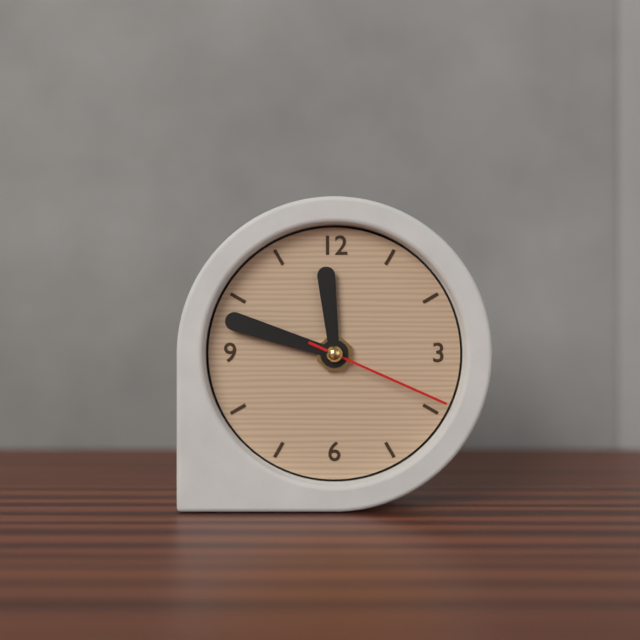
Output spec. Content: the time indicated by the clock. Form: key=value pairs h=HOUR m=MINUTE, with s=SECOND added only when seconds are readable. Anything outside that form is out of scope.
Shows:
h=11 m=48 s=19
